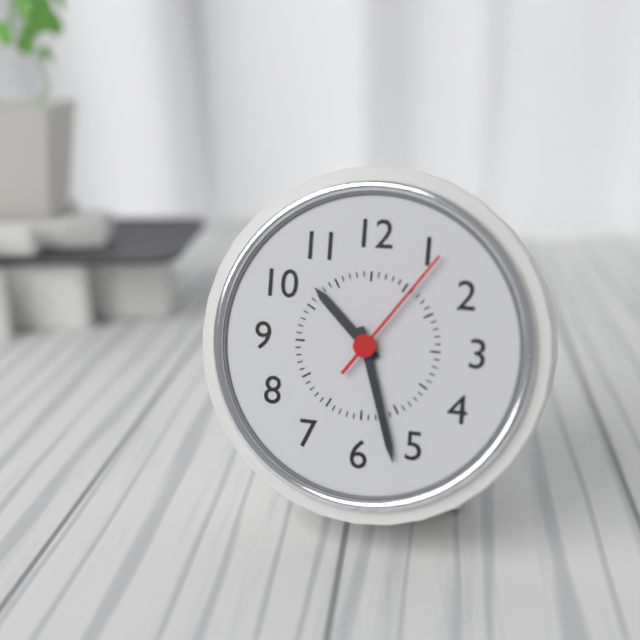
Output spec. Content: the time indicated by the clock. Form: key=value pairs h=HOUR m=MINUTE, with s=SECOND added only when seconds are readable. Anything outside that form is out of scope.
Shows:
h=10 m=27 s=6
